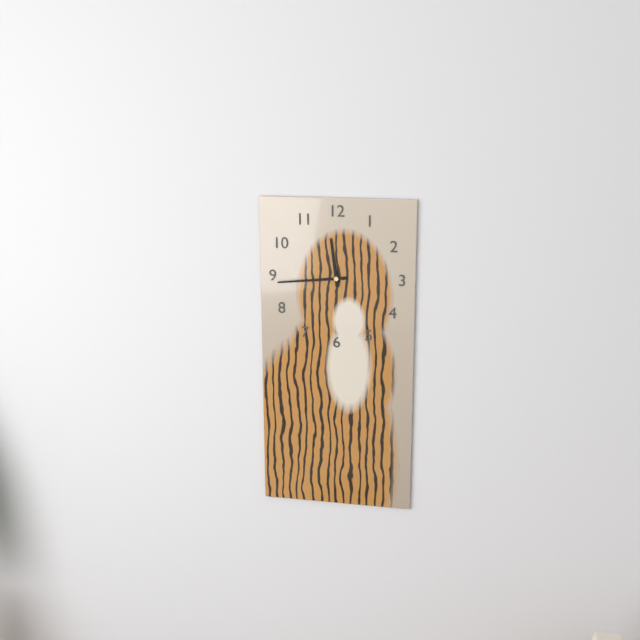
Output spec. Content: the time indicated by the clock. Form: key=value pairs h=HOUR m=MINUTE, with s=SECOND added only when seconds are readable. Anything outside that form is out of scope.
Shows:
h=11 m=44
